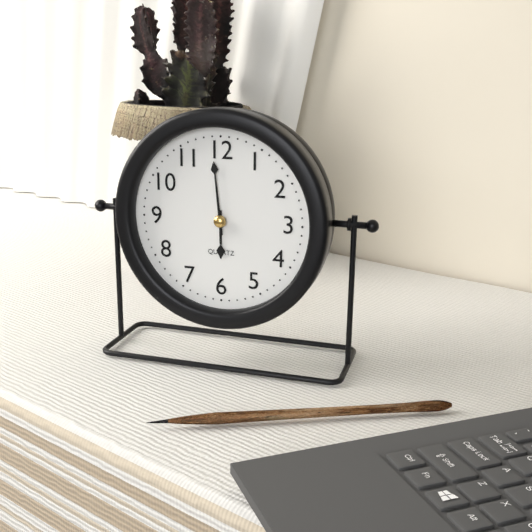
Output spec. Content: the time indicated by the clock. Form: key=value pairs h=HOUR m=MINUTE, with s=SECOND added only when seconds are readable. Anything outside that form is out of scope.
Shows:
h=5 m=59
